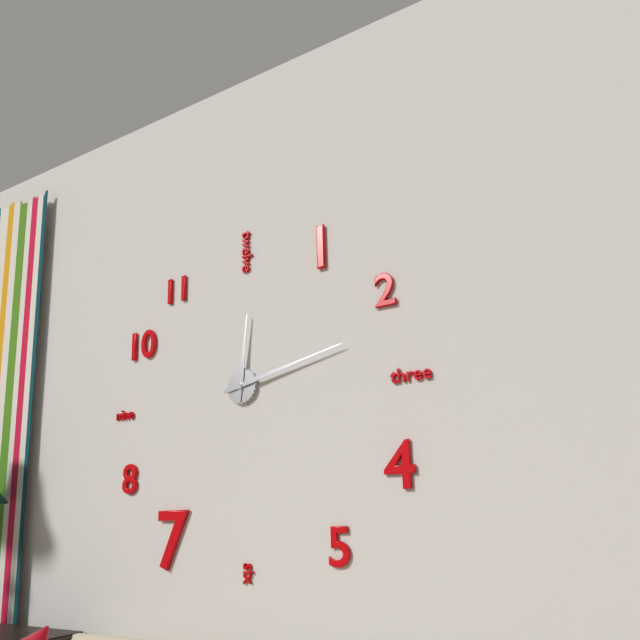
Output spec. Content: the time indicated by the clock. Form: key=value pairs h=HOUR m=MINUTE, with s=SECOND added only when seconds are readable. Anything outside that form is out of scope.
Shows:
h=12 m=13
